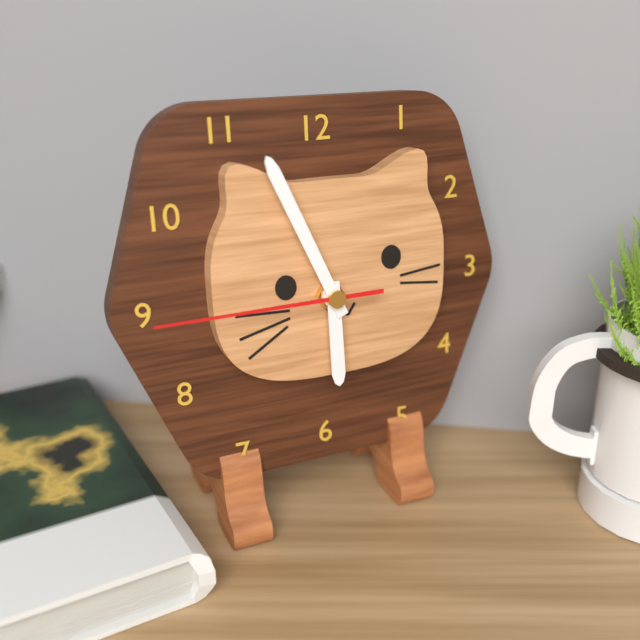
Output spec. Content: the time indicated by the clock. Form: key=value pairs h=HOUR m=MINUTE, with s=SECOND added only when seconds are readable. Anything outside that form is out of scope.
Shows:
h=5 m=56 s=45
